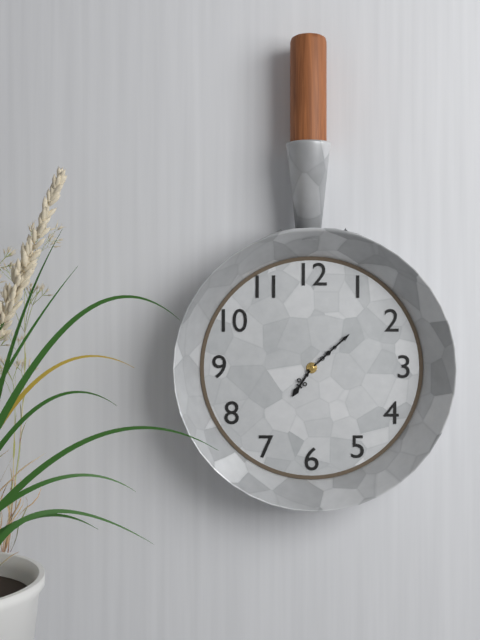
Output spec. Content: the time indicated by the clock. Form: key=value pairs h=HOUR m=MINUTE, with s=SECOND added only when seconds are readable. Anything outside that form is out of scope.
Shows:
h=7 m=8
